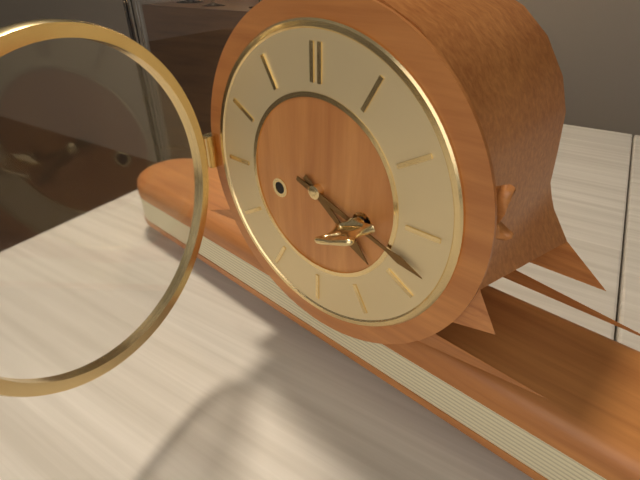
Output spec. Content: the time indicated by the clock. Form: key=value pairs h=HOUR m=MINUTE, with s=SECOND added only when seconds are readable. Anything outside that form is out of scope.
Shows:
h=4 m=18
